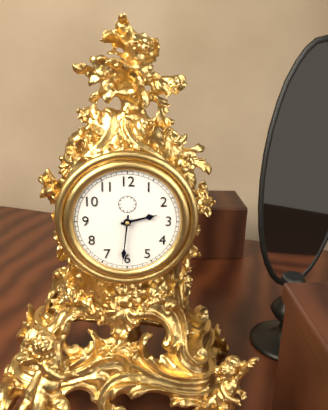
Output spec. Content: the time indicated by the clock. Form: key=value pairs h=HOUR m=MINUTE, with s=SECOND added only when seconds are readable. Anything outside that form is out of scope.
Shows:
h=2 m=31
